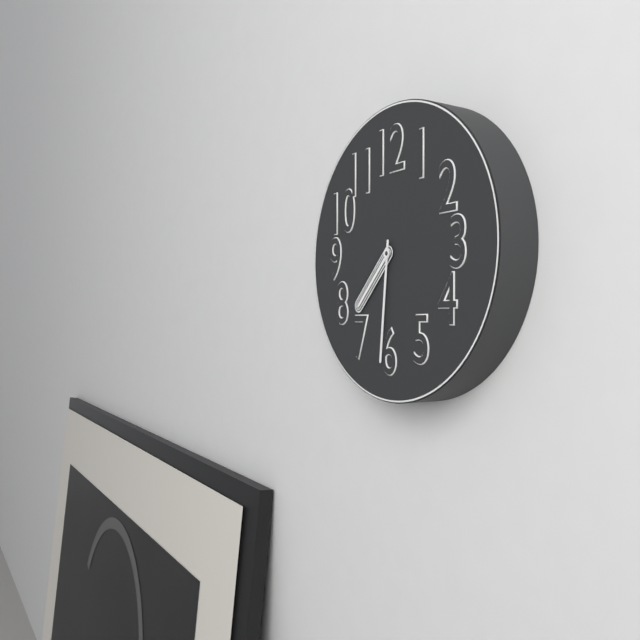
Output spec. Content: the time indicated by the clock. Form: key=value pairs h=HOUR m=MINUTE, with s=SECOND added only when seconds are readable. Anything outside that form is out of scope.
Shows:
h=7 m=31
